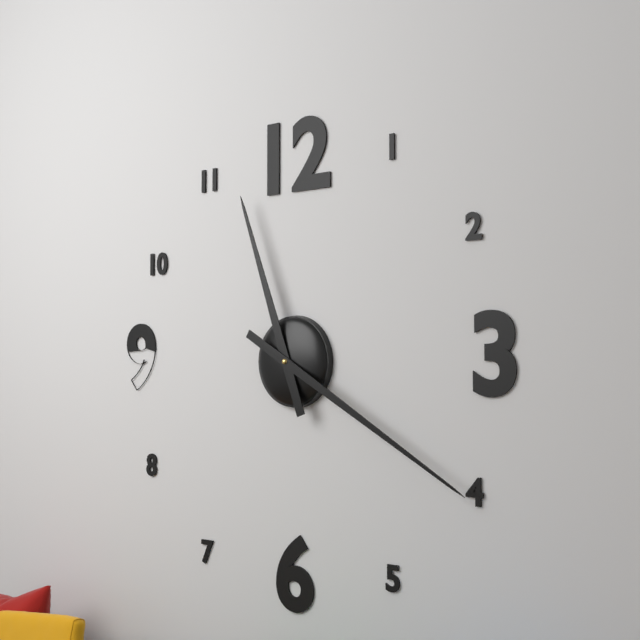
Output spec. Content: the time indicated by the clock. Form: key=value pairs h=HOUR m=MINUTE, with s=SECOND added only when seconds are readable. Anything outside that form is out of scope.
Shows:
h=11 m=20
